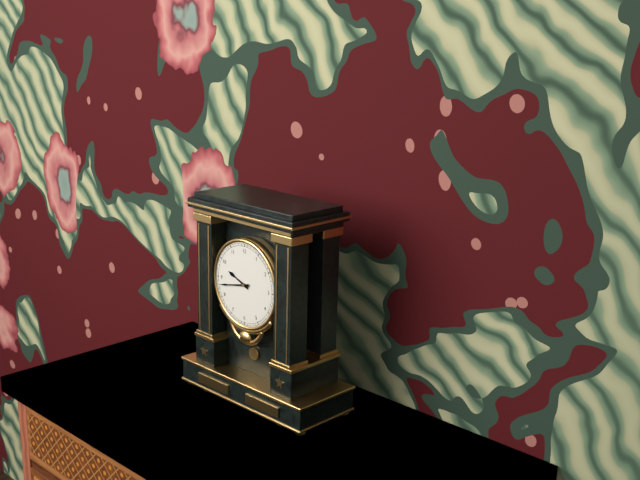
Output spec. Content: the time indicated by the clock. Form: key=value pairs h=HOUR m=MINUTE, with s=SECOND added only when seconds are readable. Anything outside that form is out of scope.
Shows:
h=9 m=43
